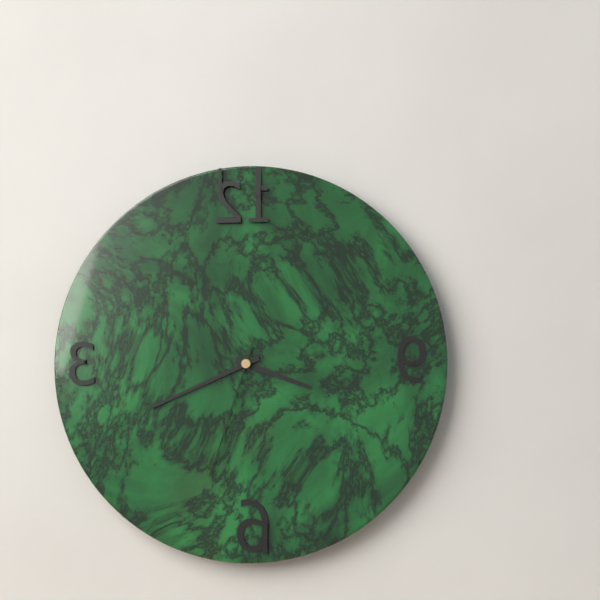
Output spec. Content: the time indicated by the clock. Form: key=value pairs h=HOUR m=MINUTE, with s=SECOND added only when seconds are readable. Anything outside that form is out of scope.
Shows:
h=3 m=41 s=33
